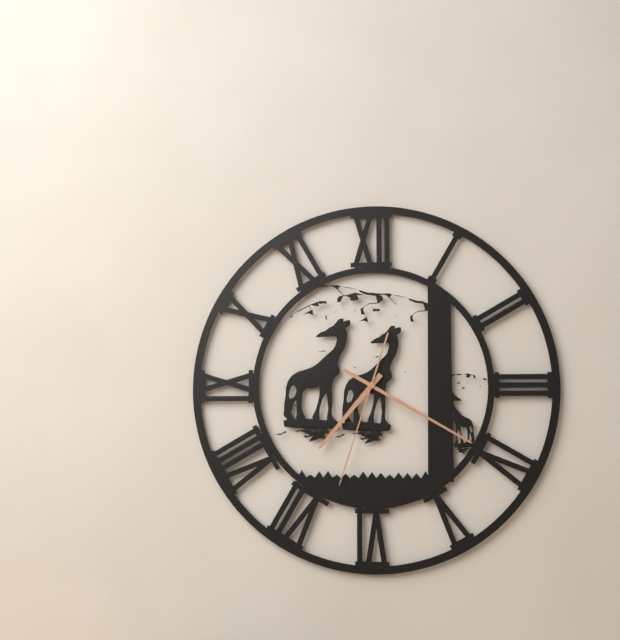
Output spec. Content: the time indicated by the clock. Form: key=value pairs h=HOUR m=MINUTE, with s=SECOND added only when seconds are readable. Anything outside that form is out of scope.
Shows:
h=7 m=20 s=33
